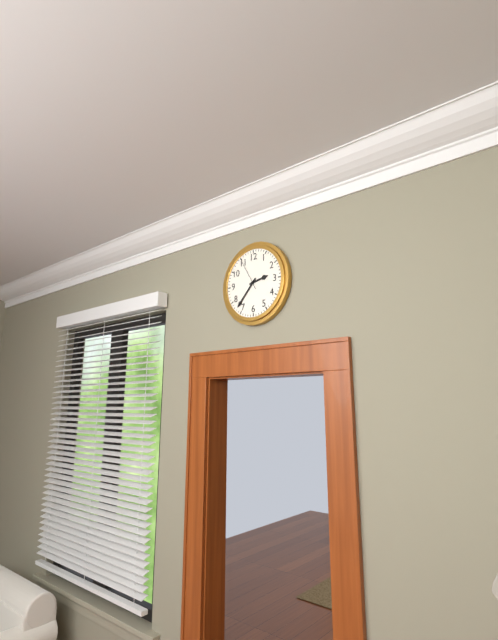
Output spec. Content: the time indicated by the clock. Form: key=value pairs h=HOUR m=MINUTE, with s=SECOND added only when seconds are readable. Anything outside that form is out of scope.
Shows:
h=2 m=37
